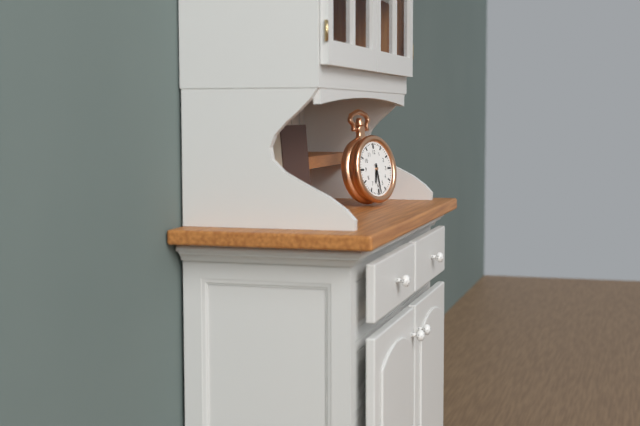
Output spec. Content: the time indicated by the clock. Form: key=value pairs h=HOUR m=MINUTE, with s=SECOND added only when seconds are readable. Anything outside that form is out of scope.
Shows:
h=6 m=29
